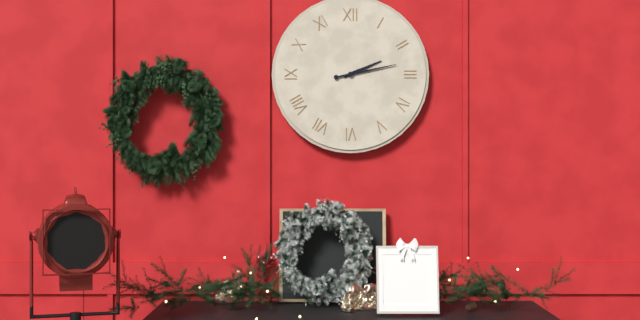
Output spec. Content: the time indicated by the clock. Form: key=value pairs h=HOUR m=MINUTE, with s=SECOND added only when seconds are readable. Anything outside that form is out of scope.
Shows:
h=2 m=13
